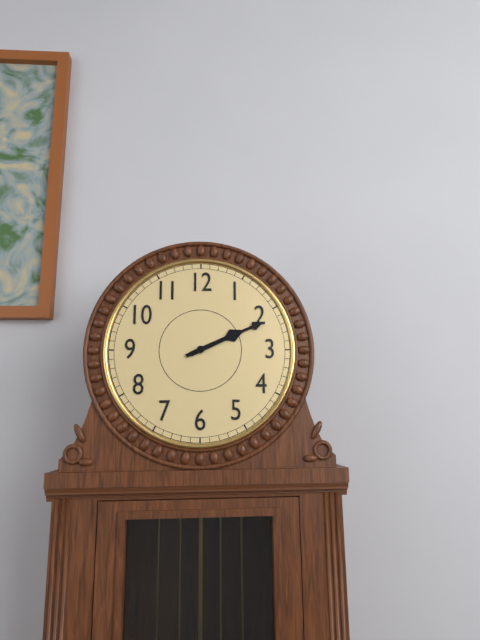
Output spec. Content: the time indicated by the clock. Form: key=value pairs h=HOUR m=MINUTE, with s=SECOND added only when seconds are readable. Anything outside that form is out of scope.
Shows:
h=2 m=11
